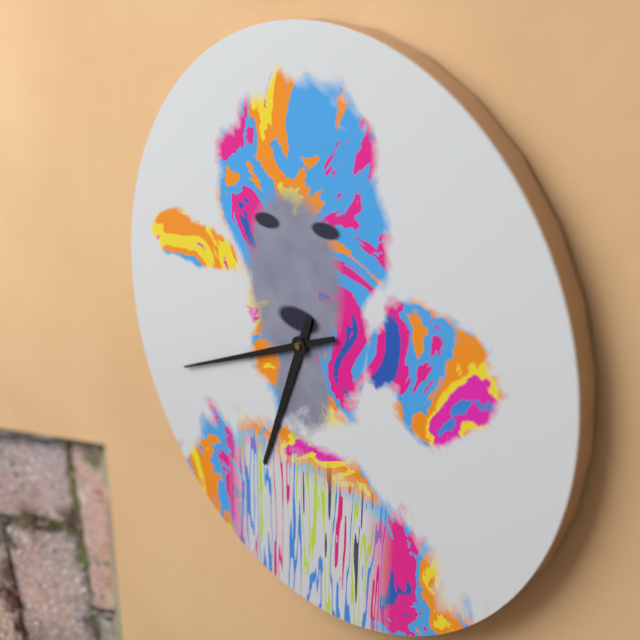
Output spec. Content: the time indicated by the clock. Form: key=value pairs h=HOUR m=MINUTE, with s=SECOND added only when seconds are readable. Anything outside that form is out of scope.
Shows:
h=6 m=41
